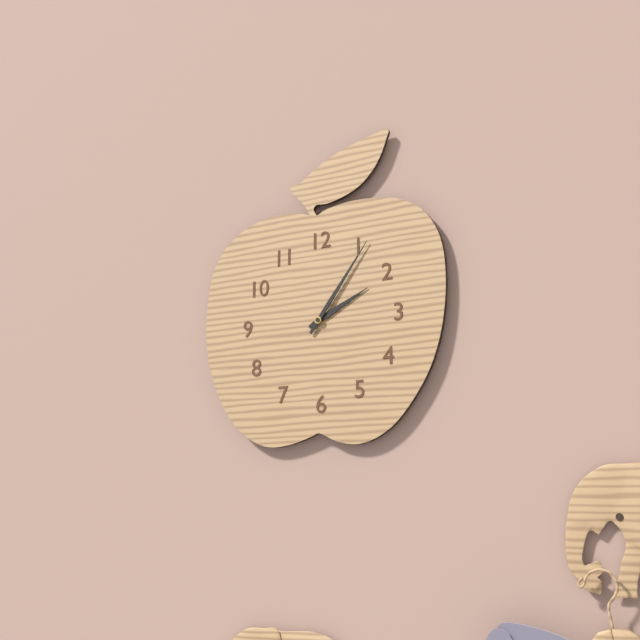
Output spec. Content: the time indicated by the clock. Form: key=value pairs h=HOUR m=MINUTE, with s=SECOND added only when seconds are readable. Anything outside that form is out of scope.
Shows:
h=2 m=6
